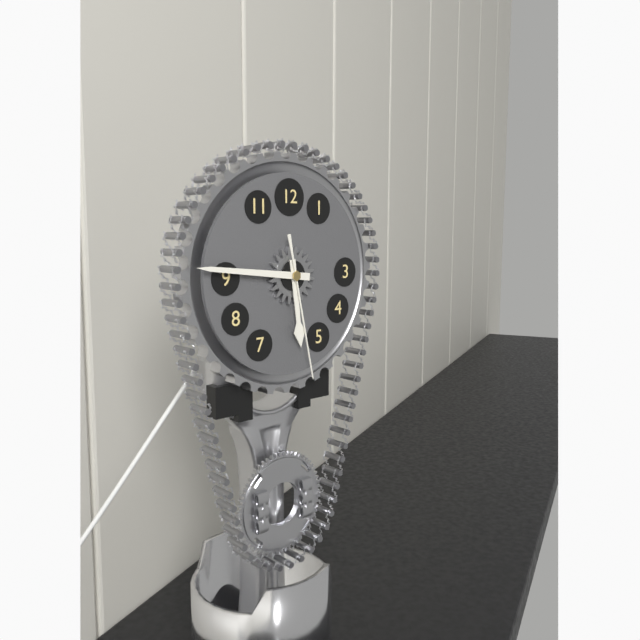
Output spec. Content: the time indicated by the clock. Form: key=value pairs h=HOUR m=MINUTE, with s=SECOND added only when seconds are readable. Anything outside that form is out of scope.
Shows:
h=5 m=46 s=28
